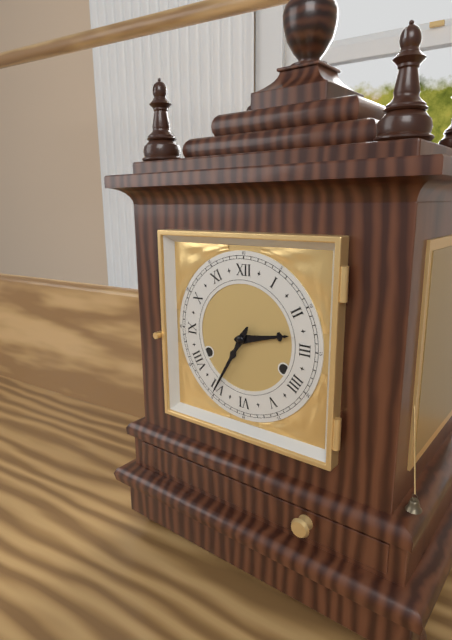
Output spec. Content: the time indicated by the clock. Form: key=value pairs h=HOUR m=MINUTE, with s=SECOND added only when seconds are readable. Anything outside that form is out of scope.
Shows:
h=2 m=35
